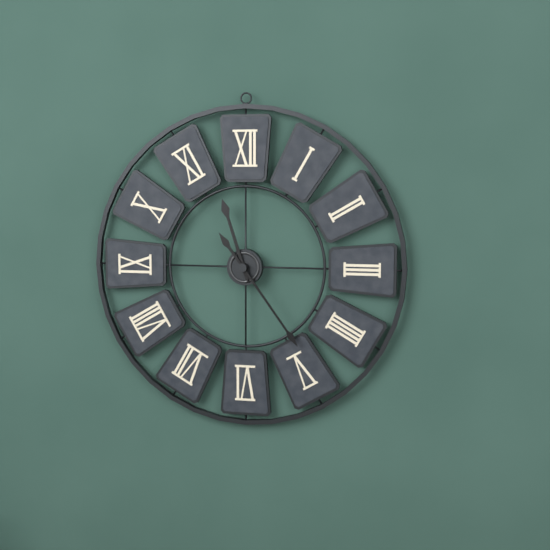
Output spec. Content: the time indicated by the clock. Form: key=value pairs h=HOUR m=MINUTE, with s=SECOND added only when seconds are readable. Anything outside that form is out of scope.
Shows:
h=11 m=24
